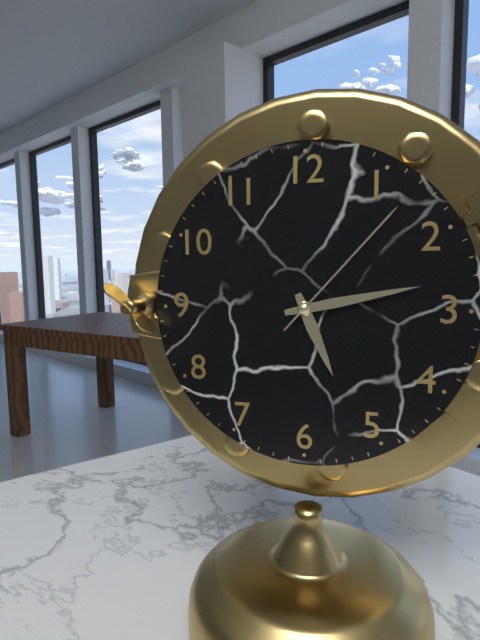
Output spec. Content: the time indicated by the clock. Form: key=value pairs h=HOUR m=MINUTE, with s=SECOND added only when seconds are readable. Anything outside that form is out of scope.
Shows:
h=5 m=13 s=7
